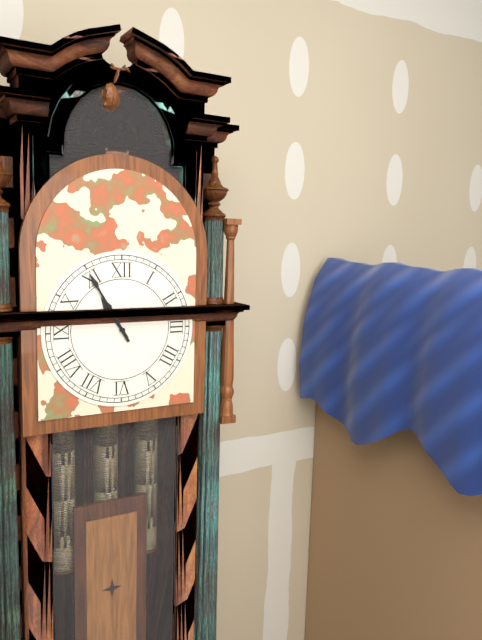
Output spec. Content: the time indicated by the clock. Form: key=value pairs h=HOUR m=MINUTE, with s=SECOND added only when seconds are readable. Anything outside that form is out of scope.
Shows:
h=10 m=55
